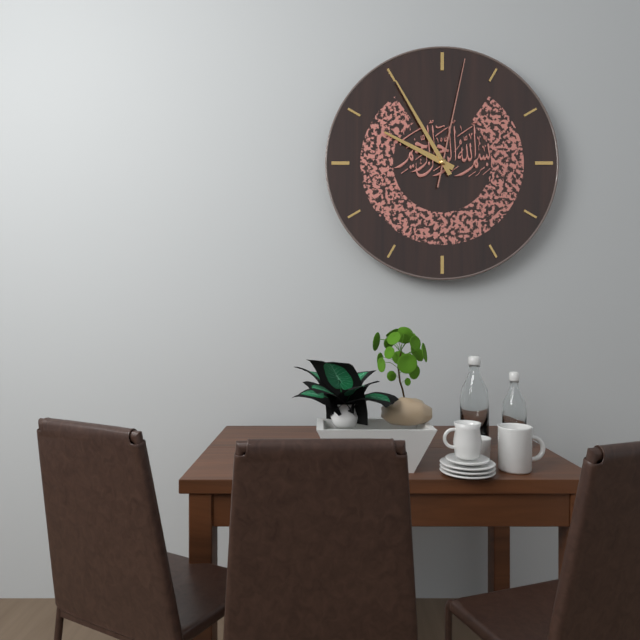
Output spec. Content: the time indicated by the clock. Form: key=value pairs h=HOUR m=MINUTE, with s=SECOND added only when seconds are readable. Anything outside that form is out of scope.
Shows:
h=9 m=55 s=2
